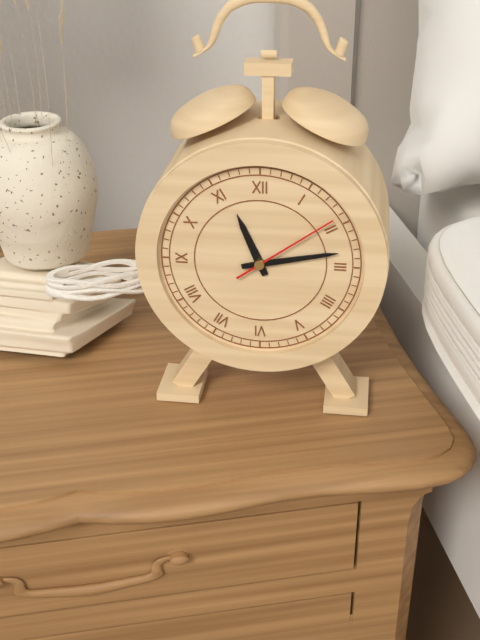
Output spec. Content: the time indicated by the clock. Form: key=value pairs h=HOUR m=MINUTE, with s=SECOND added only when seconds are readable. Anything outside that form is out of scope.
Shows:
h=11 m=13 s=9
